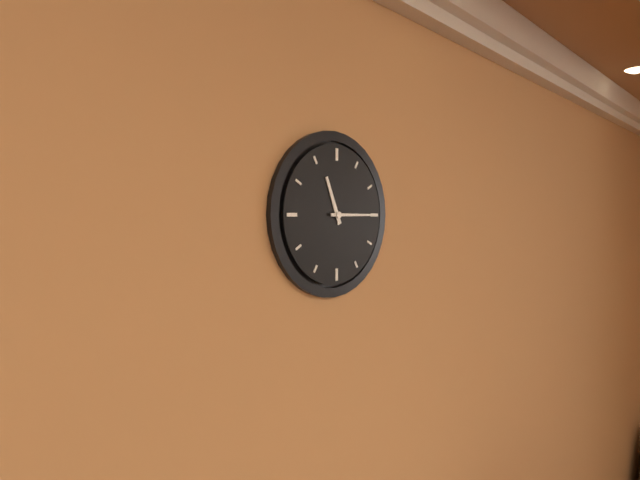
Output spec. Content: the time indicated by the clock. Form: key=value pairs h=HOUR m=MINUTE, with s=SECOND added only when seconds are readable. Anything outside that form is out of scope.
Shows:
h=11 m=15
